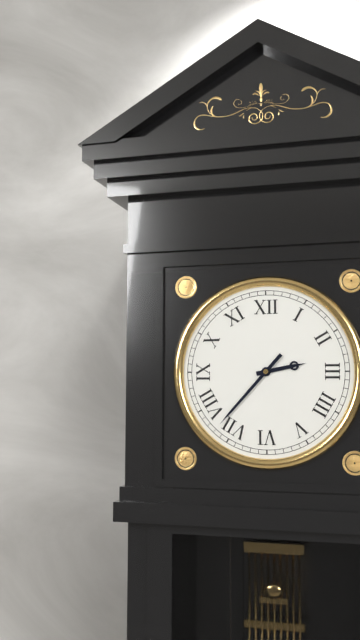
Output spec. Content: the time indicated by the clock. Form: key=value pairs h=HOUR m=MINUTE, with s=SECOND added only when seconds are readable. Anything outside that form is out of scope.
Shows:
h=2 m=37
